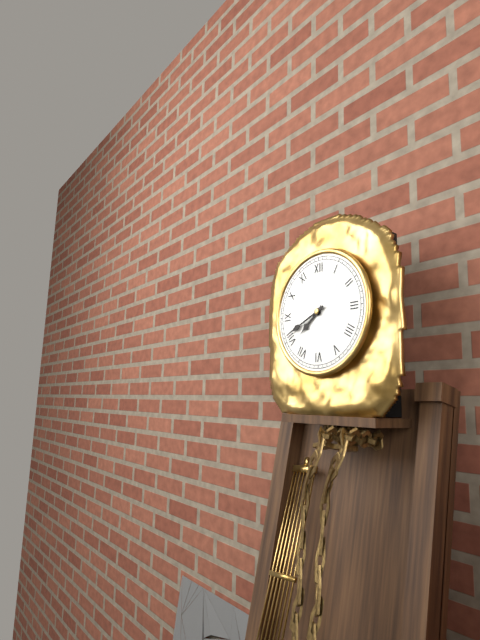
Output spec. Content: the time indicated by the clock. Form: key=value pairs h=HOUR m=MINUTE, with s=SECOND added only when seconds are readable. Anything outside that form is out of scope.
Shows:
h=7 m=41
